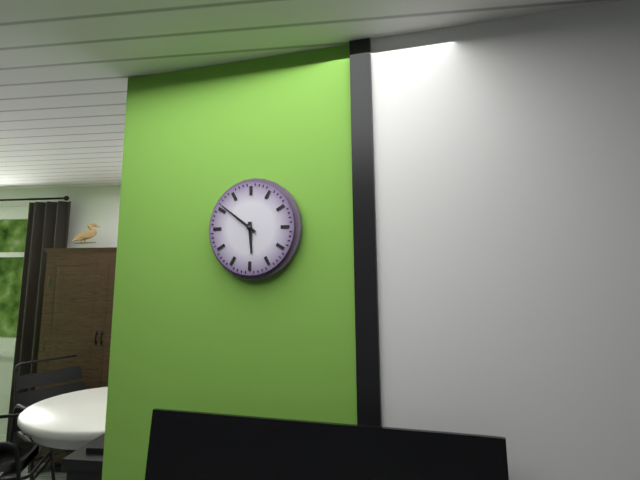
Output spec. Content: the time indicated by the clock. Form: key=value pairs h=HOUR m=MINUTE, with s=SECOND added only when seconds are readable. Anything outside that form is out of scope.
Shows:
h=5 m=51
